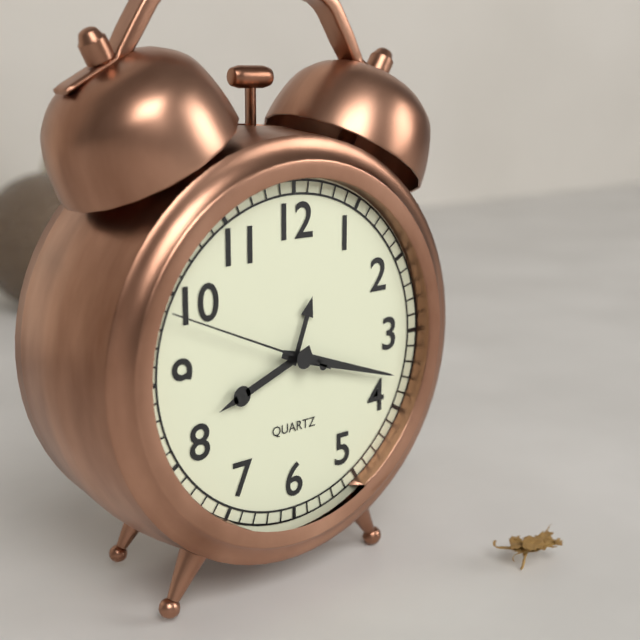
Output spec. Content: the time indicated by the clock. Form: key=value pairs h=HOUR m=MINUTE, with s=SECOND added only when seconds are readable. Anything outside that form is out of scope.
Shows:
h=8 m=18 s=49
